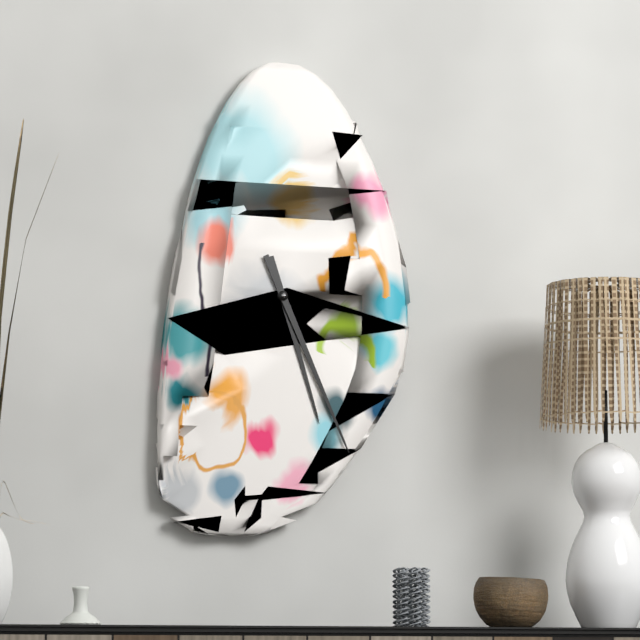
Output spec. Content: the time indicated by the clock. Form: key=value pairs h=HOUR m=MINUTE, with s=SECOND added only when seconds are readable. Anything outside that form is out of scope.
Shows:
h=5 m=26
